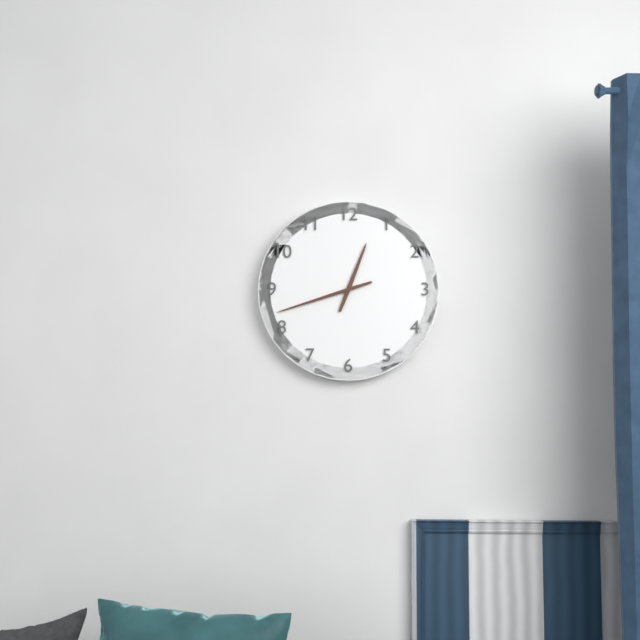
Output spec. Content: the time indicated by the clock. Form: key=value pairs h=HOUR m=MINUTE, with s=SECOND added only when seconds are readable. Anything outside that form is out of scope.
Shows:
h=12 m=42
